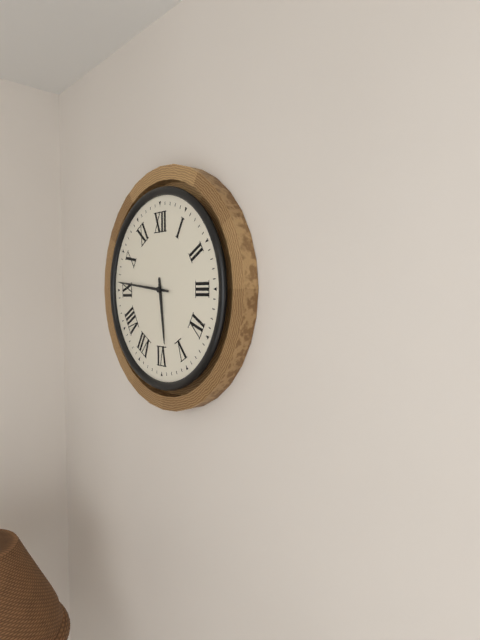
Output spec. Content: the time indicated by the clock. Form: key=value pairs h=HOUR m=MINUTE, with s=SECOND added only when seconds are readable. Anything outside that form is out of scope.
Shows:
h=5 m=46
